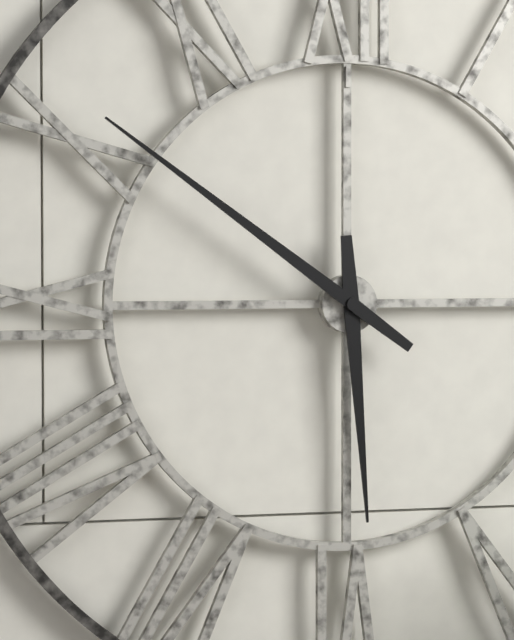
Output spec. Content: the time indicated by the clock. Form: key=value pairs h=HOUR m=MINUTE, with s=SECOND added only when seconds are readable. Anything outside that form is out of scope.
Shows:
h=5 m=51
